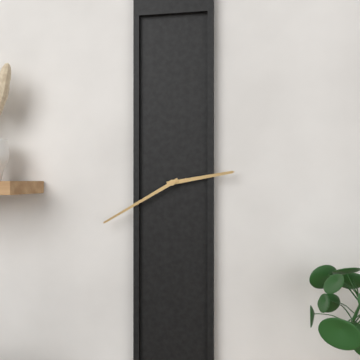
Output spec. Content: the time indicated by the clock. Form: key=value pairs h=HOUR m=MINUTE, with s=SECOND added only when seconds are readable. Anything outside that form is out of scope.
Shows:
h=2 m=40
